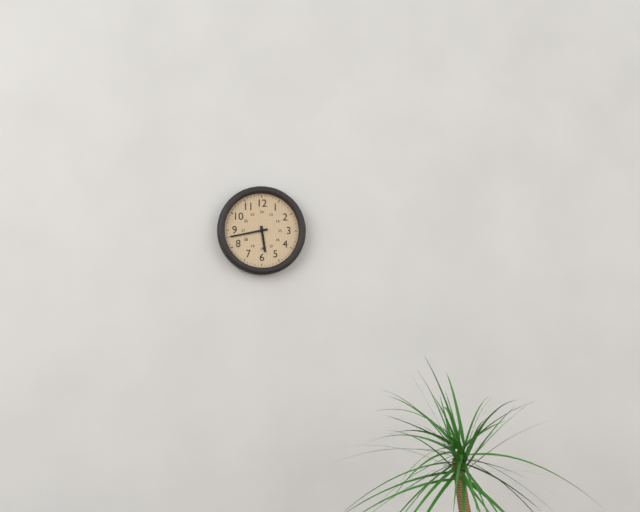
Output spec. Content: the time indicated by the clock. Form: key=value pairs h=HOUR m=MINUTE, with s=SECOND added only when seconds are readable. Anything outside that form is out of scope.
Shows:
h=5 m=43
